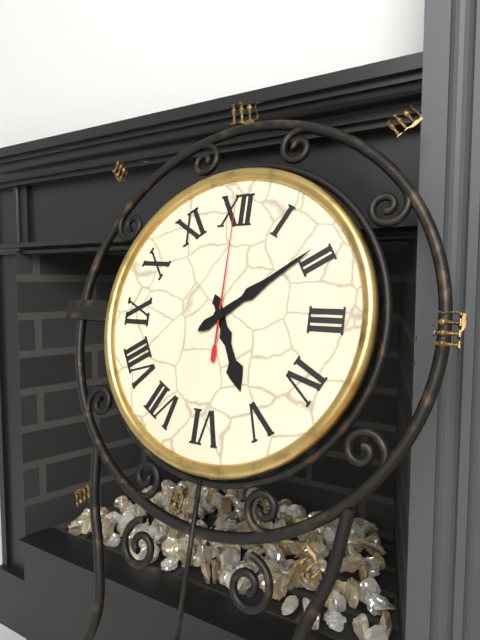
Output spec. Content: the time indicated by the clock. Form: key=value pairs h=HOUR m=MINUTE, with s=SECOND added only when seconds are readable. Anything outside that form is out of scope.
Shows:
h=5 m=9 s=0
